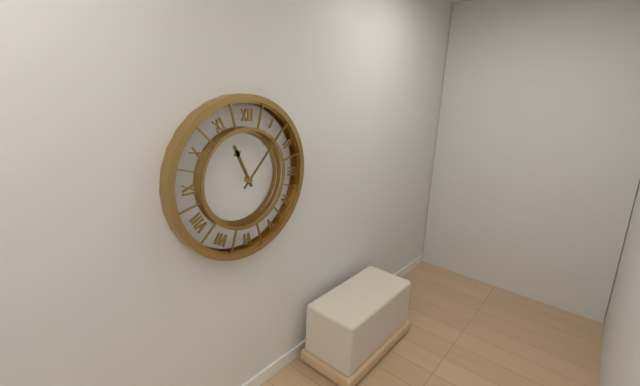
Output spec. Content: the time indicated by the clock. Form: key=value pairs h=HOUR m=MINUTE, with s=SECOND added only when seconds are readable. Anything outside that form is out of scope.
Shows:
h=11 m=7
